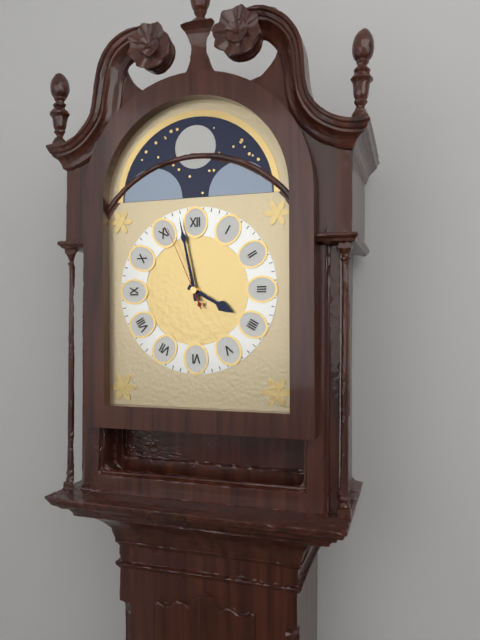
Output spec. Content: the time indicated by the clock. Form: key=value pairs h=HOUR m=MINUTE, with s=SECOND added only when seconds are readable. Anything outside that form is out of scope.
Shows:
h=3 m=58 s=56
